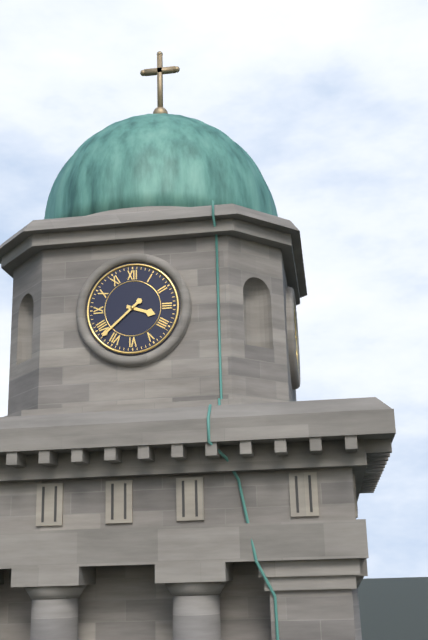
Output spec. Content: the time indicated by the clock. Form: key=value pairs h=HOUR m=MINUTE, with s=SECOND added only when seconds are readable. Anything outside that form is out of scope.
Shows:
h=3 m=38
